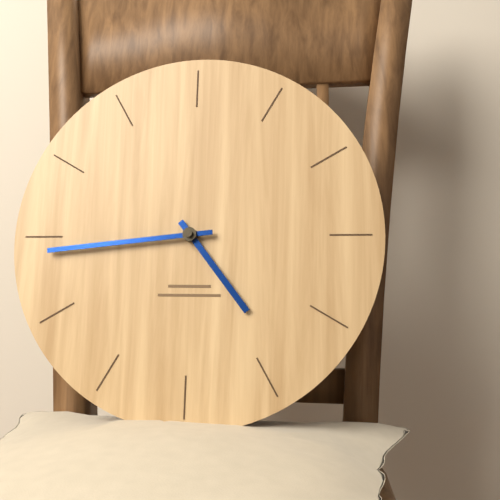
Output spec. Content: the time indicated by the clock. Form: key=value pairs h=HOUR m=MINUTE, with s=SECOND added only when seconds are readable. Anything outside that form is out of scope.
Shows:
h=4 m=44
